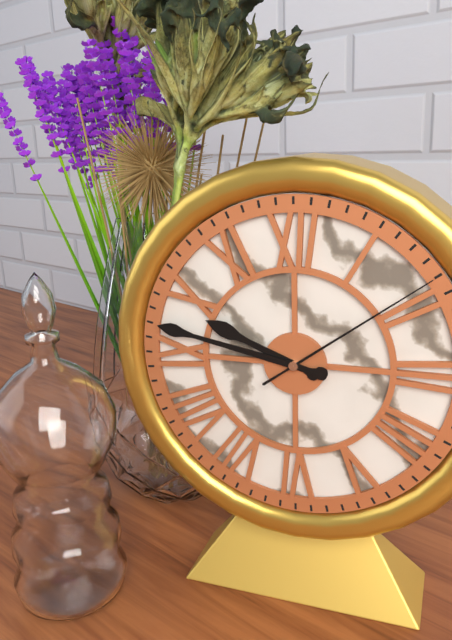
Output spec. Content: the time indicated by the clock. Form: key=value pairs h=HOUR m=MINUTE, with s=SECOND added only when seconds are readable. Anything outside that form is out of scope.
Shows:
h=9 m=47 s=9
